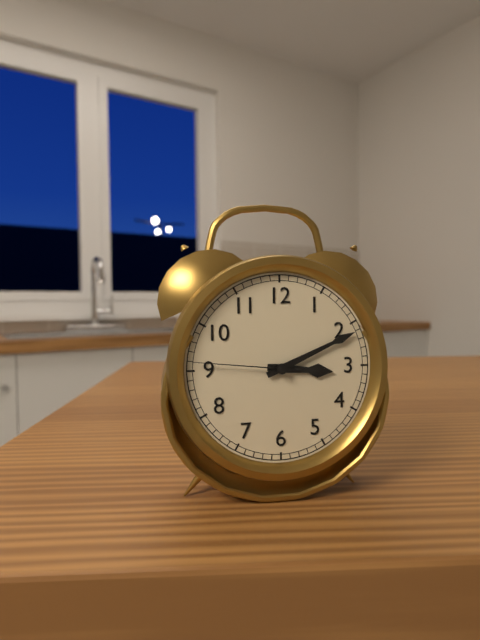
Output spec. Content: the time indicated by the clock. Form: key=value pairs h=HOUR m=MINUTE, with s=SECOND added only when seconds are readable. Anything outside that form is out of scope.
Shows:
h=3 m=11 s=46
